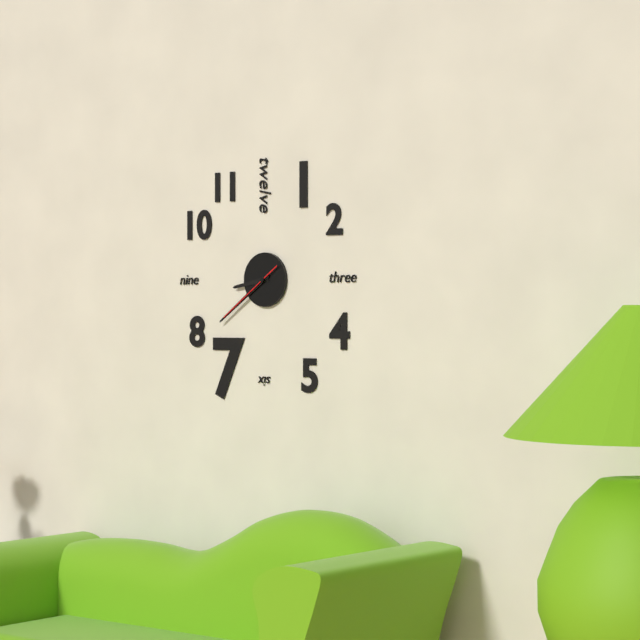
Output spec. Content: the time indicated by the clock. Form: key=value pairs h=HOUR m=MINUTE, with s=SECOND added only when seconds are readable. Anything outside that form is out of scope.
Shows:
h=8 m=39 s=39
